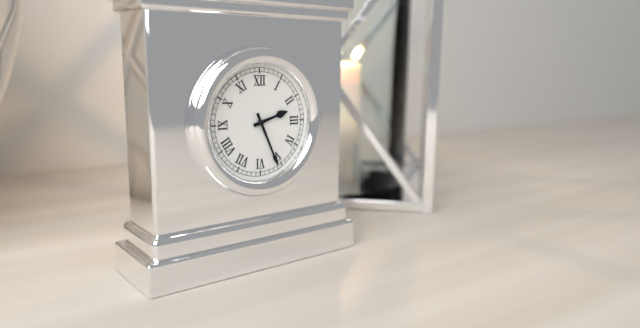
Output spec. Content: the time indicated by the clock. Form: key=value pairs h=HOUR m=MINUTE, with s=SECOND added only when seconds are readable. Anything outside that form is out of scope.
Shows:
h=2 m=26
